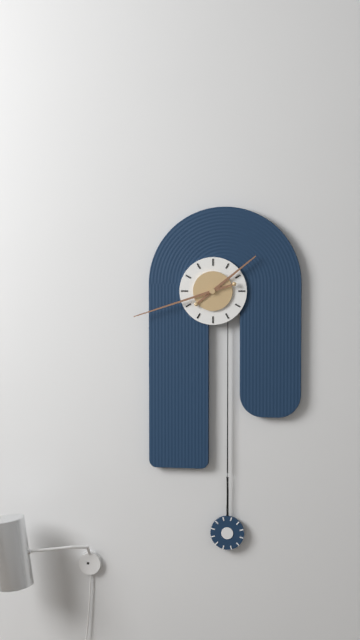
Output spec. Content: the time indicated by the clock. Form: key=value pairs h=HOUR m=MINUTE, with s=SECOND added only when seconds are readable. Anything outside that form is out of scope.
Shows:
h=1 m=42
